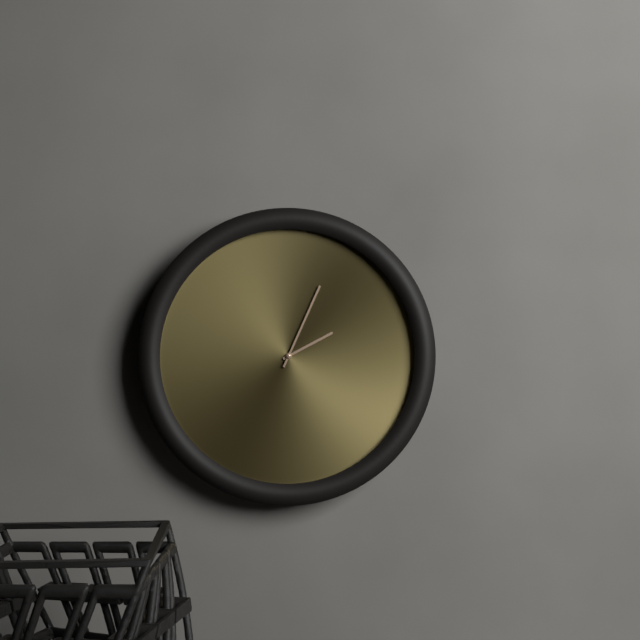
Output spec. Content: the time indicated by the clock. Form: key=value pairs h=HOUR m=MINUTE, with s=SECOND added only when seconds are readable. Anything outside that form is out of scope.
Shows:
h=2 m=4
